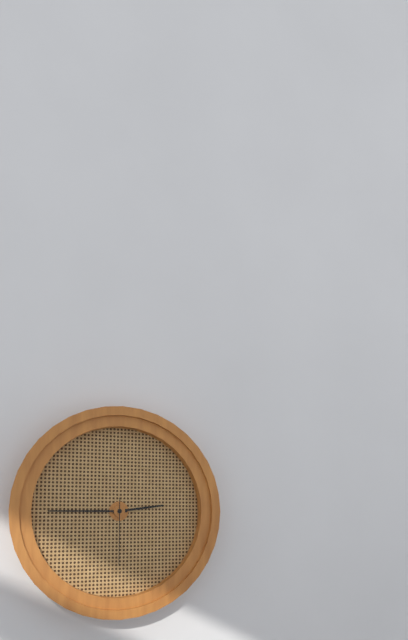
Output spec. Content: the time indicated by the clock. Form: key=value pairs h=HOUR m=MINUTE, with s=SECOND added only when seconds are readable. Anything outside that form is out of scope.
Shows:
h=2 m=45 s=30
